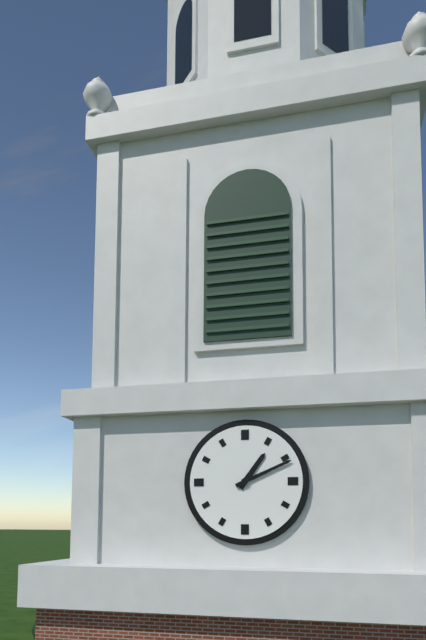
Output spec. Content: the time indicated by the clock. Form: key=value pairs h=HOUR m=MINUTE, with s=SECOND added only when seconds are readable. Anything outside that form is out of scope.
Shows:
h=1 m=11
